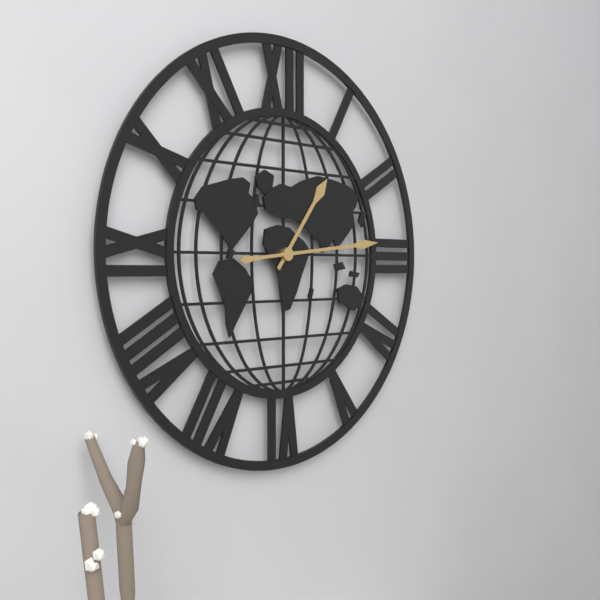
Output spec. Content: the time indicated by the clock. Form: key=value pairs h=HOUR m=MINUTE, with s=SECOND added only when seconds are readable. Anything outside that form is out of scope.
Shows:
h=1 m=14
